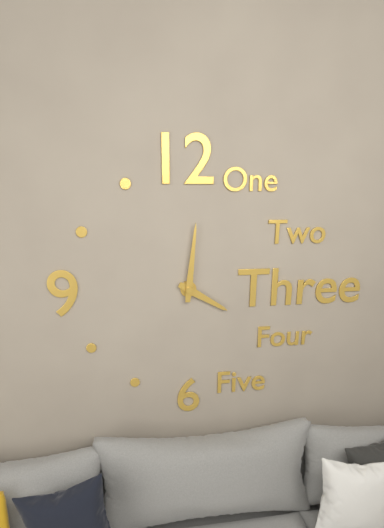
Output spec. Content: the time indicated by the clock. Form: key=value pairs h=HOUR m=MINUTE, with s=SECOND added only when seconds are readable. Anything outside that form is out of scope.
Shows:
h=4 m=1
